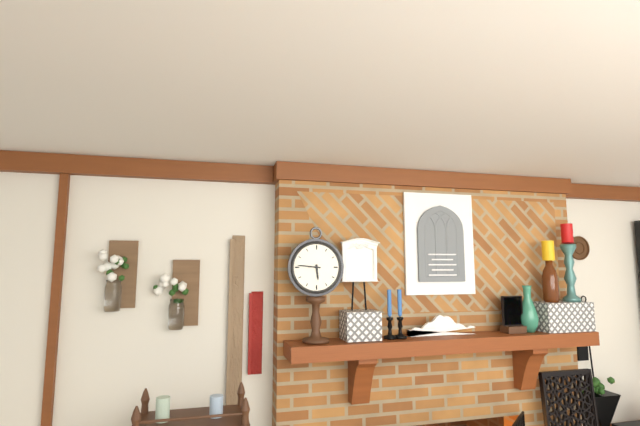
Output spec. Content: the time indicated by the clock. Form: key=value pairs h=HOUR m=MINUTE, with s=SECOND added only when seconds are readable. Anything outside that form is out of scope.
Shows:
h=5 m=46
